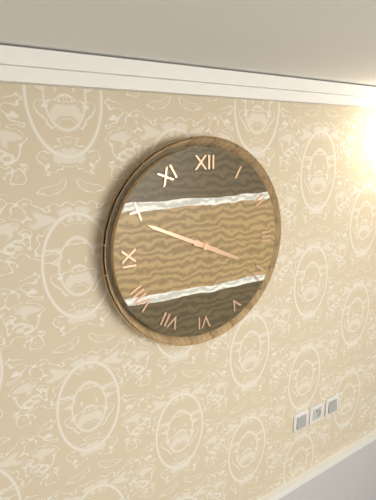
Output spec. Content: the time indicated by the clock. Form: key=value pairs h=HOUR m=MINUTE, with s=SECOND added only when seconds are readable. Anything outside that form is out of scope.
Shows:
h=3 m=49
